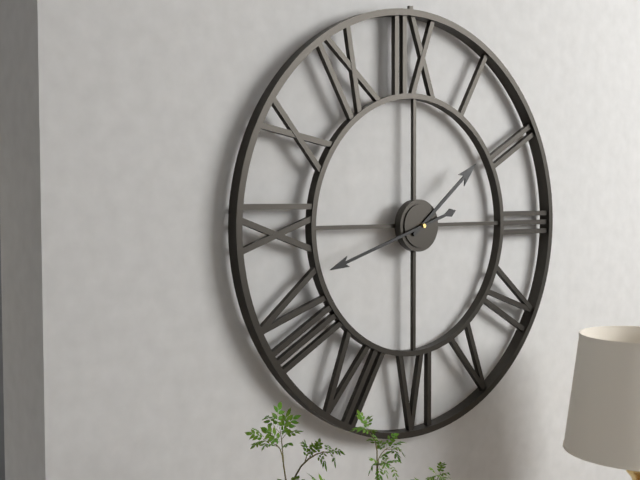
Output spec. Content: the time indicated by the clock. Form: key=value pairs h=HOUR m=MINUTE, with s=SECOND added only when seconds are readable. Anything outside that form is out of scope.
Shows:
h=1 m=42
